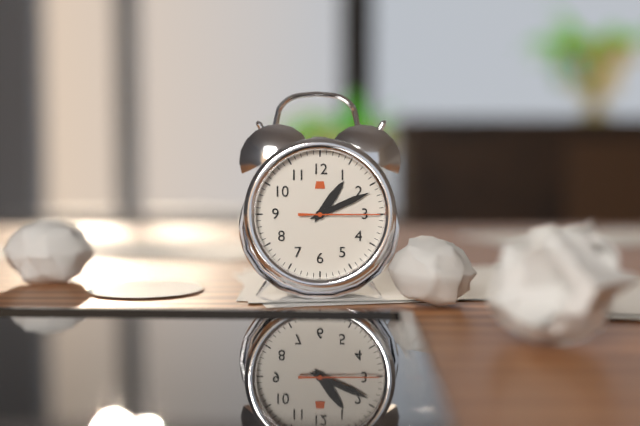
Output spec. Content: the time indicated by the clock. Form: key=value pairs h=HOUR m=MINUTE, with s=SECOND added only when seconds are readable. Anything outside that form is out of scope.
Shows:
h=1 m=11 s=15
